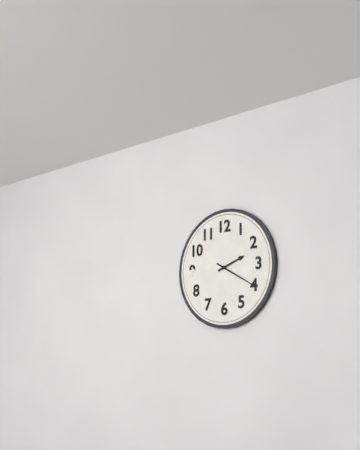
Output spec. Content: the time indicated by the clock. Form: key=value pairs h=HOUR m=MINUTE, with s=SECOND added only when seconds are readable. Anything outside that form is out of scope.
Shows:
h=2 m=20
